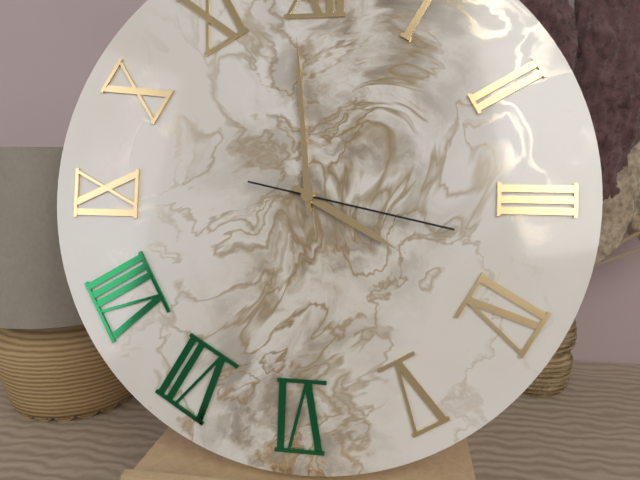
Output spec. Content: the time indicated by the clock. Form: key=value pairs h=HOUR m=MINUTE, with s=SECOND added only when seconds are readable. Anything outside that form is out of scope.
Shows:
h=3 m=59 s=17
